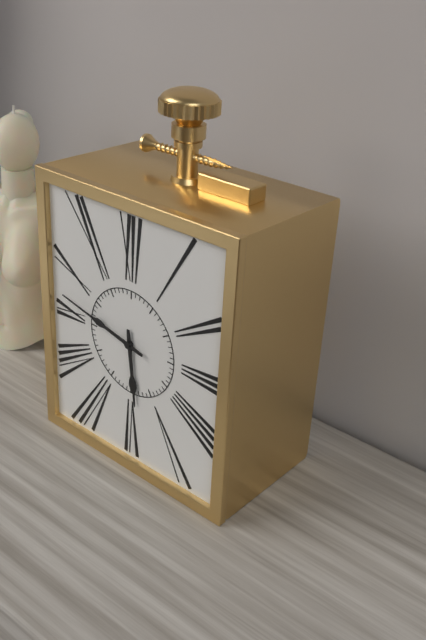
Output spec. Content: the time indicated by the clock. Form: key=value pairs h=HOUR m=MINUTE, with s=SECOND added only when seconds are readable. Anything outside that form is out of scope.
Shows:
h=5 m=47
